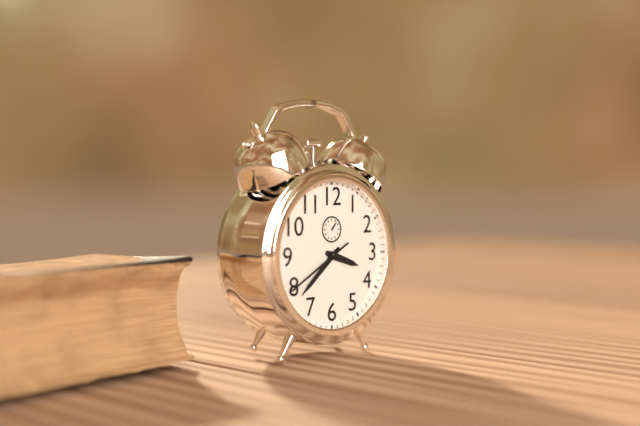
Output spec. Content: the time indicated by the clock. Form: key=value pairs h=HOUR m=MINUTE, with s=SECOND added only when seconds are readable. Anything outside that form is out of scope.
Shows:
h=3 m=38 s=40
